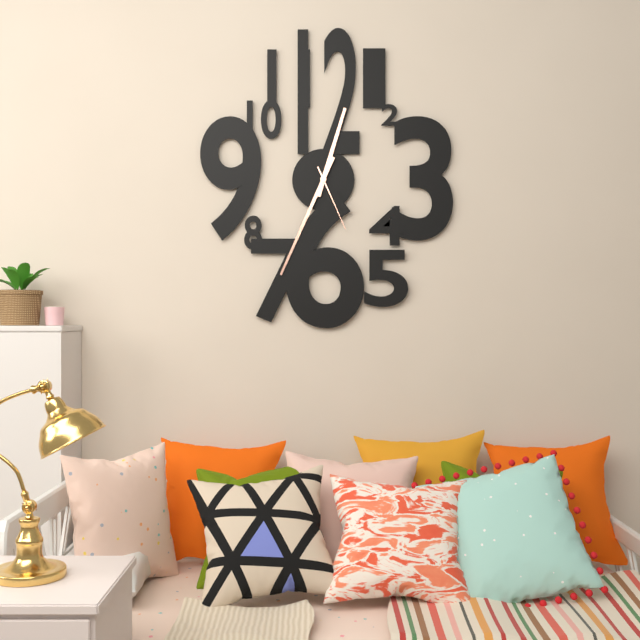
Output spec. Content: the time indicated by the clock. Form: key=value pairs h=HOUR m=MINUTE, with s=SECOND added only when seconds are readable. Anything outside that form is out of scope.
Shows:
h=12 m=34 s=26
